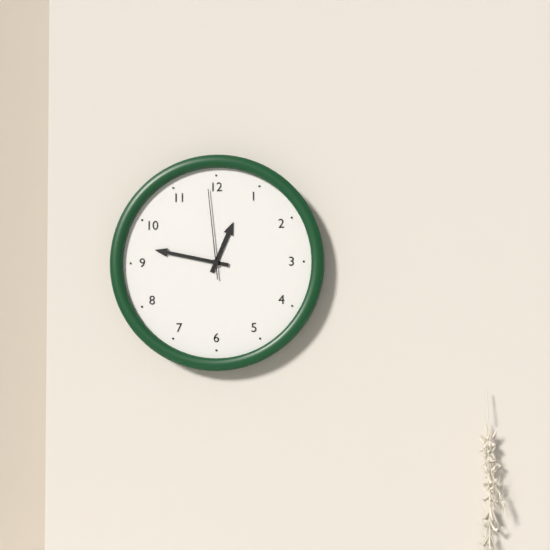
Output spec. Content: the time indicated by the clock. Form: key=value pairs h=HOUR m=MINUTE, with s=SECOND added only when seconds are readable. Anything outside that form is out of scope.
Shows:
h=12 m=47 s=59
